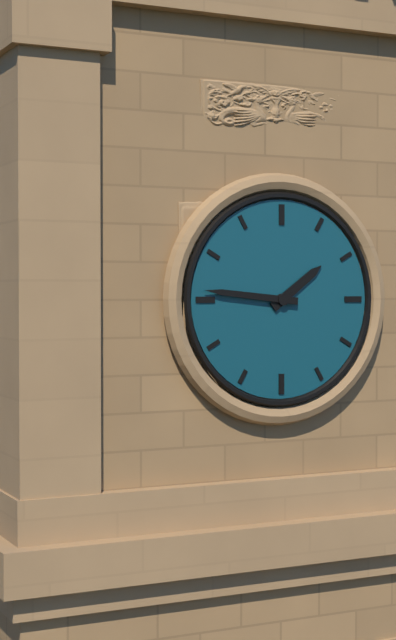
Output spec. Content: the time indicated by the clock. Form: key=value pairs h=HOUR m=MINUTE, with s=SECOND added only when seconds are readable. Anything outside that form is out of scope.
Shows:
h=1 m=46
